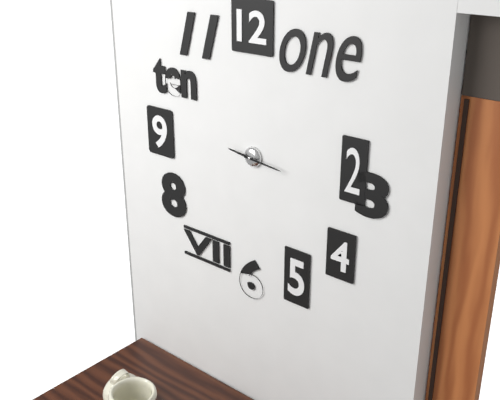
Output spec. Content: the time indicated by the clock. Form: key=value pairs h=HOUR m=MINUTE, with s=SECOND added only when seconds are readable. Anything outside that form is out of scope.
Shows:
h=9 m=16
